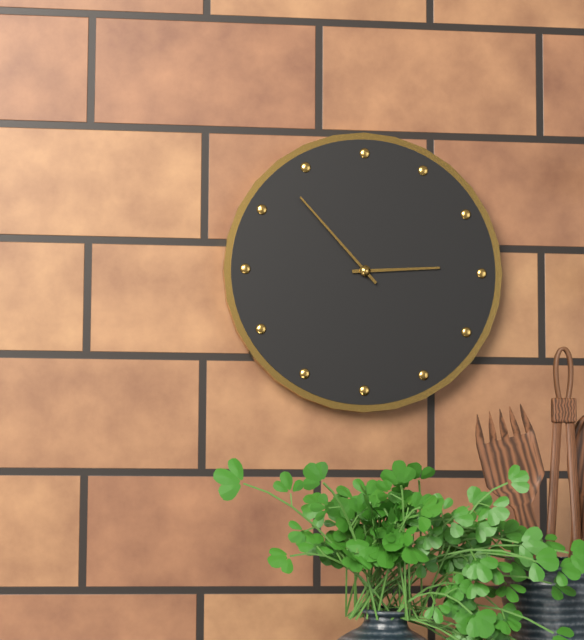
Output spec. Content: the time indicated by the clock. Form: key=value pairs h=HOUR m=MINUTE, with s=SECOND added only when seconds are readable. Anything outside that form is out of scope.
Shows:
h=2 m=53
